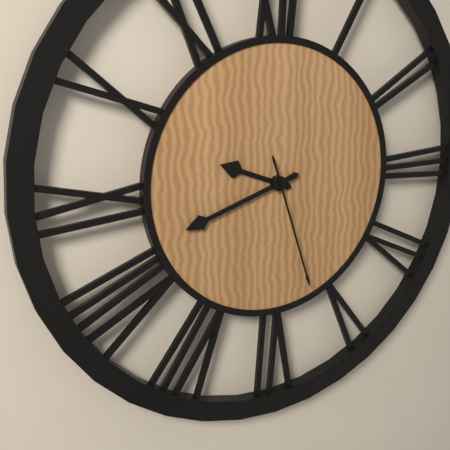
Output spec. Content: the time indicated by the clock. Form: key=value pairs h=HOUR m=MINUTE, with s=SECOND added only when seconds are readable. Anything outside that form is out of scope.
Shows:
h=9 m=42 s=27
